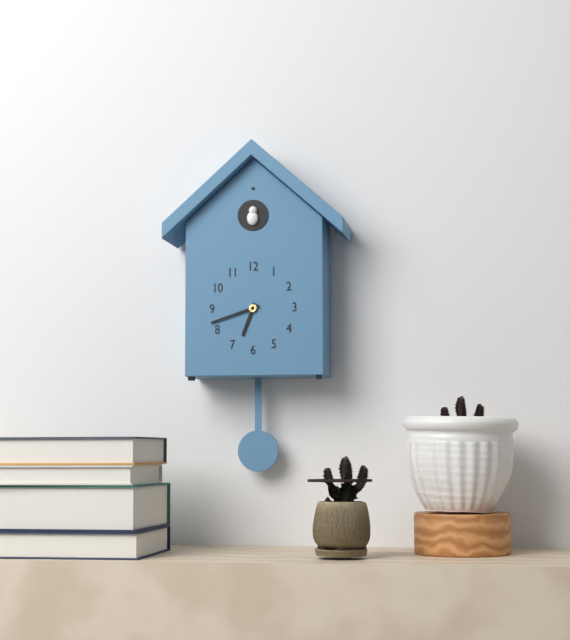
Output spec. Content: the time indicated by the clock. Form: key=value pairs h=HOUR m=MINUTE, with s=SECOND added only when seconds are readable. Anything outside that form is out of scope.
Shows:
h=6 m=42
